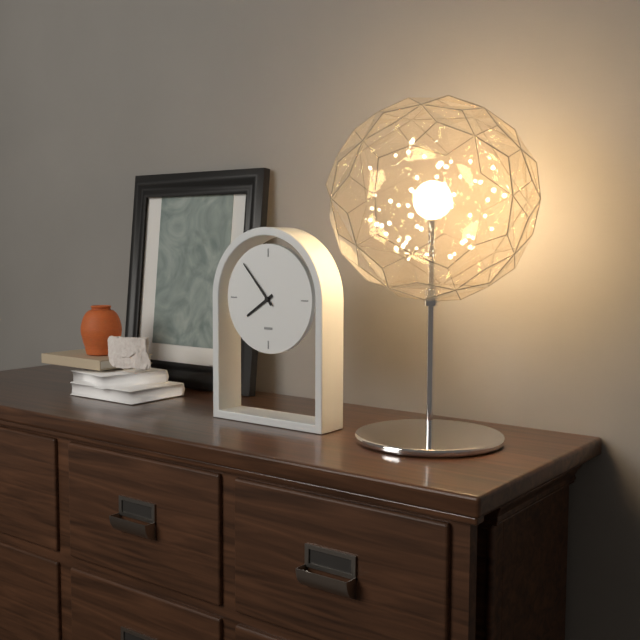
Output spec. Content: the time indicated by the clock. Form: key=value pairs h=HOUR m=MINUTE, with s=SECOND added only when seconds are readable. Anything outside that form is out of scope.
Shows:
h=7 m=53
